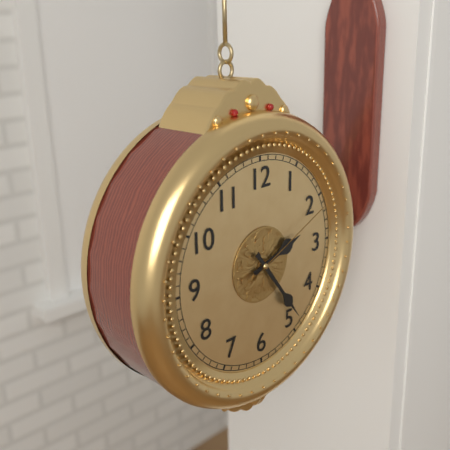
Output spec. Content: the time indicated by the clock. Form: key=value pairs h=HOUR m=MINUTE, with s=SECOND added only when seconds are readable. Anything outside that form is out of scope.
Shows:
h=2 m=24 s=11
